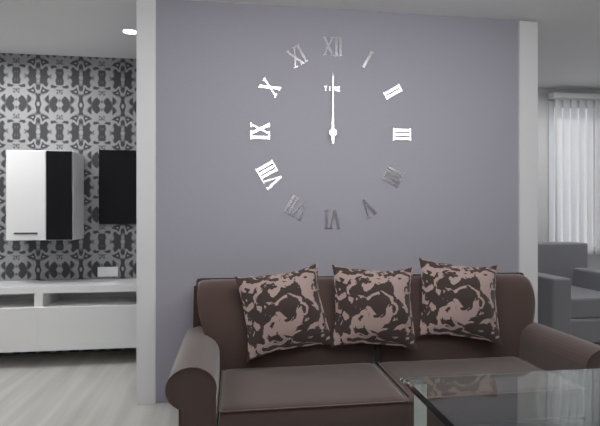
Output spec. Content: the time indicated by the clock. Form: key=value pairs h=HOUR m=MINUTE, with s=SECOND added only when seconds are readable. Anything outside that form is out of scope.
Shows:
h=12 m=0
